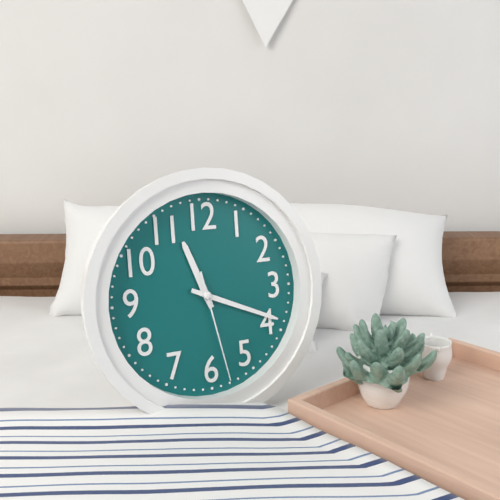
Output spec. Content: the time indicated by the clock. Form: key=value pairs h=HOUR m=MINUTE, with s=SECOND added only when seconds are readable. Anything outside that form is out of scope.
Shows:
h=11 m=19 s=28
